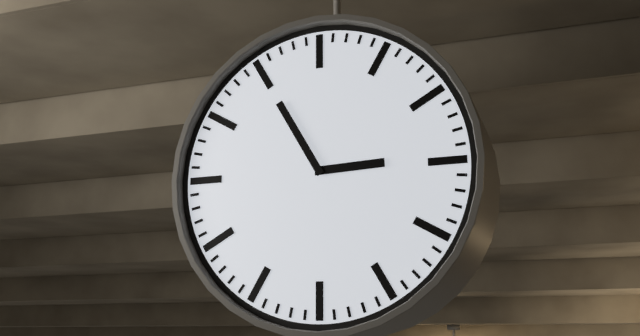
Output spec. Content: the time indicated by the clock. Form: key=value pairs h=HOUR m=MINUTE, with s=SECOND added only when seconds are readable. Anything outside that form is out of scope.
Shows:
h=2 m=55
